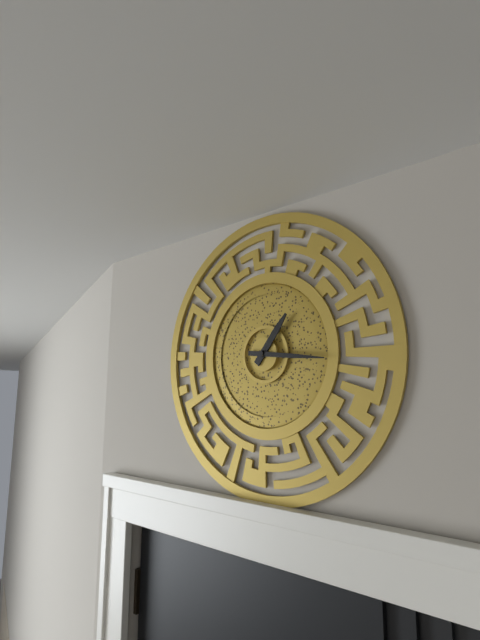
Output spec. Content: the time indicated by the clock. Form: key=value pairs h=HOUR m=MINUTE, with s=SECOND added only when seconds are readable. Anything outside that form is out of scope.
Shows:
h=1 m=16
